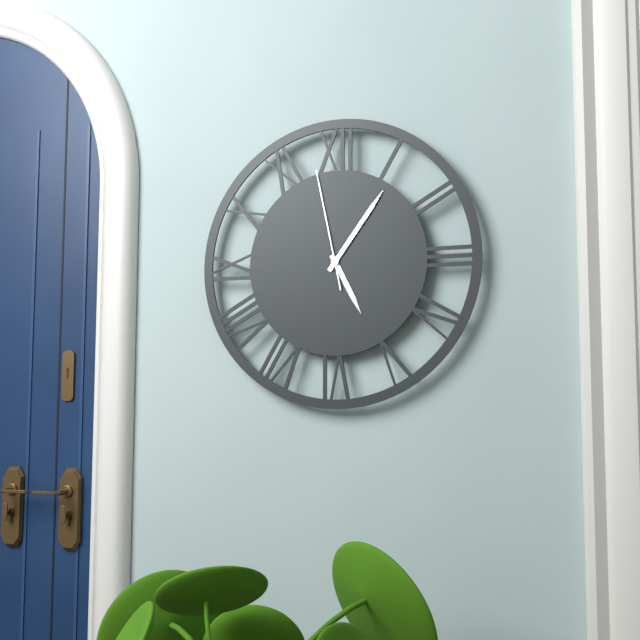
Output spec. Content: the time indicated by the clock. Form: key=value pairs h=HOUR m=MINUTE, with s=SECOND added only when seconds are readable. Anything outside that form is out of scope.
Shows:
h=5 m=6 s=58
